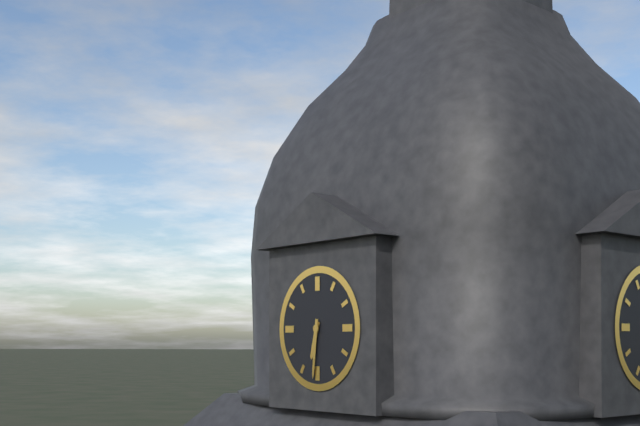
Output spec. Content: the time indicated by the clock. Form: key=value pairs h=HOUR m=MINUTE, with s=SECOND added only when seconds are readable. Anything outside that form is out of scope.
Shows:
h=6 m=31
